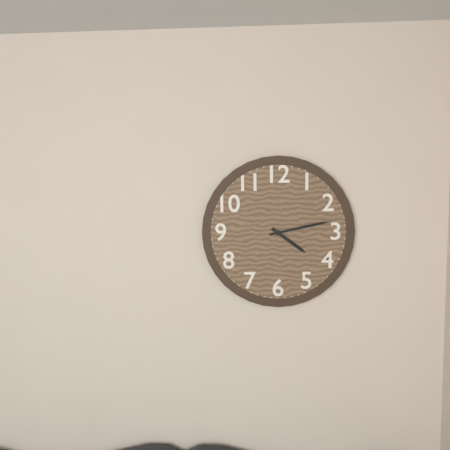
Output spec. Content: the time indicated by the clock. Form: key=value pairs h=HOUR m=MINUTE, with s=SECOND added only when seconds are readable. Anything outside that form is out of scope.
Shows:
h=4 m=13
